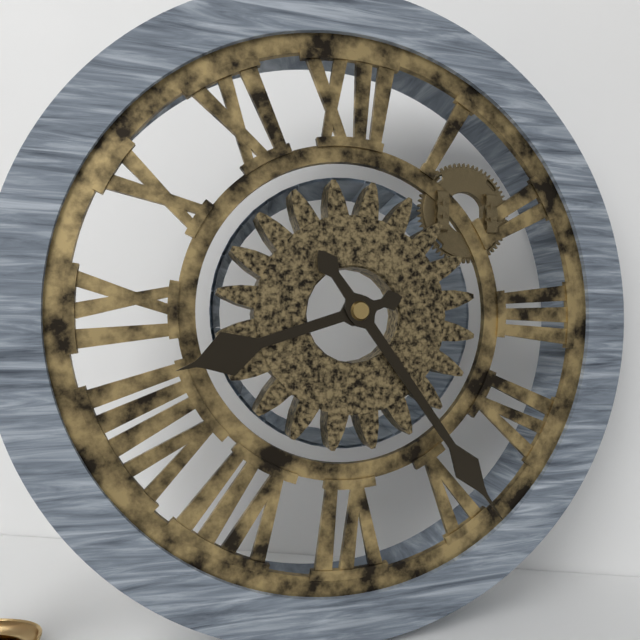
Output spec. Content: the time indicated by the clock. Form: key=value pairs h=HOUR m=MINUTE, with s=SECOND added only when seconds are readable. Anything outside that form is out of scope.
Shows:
h=8 m=24
